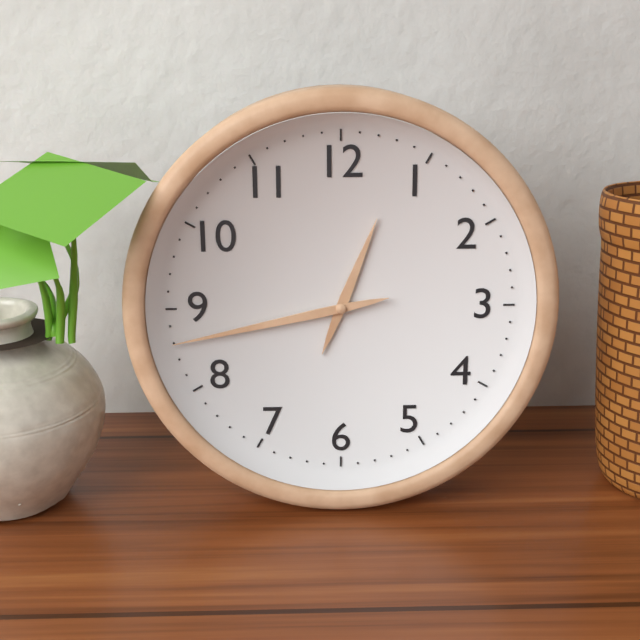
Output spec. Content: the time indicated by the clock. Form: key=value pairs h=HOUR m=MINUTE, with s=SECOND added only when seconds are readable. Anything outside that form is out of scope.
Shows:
h=12 m=43
